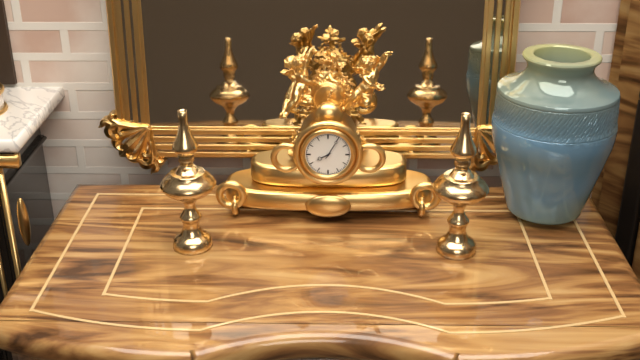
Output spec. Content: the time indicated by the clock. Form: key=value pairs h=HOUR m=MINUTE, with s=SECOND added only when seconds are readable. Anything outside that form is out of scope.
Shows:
h=8 m=5
